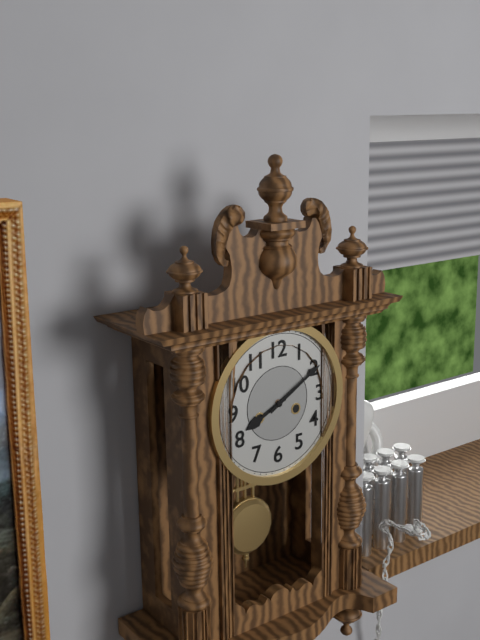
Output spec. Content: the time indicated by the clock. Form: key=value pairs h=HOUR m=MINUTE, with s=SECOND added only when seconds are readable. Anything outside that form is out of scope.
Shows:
h=8 m=10
